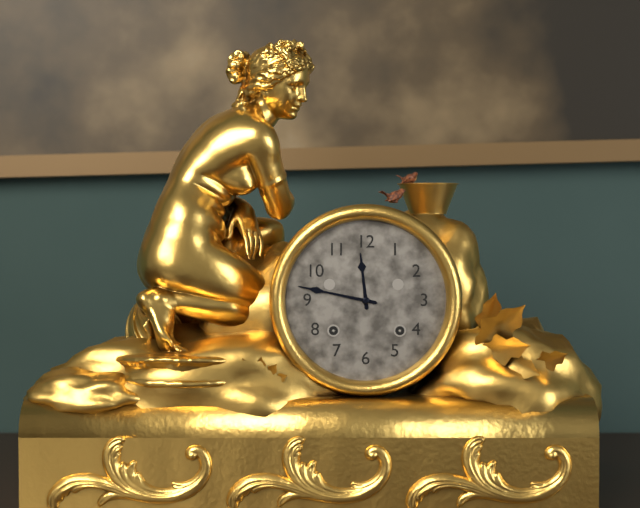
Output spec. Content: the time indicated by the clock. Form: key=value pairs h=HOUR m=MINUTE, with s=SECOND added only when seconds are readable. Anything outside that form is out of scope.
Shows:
h=11 m=47
